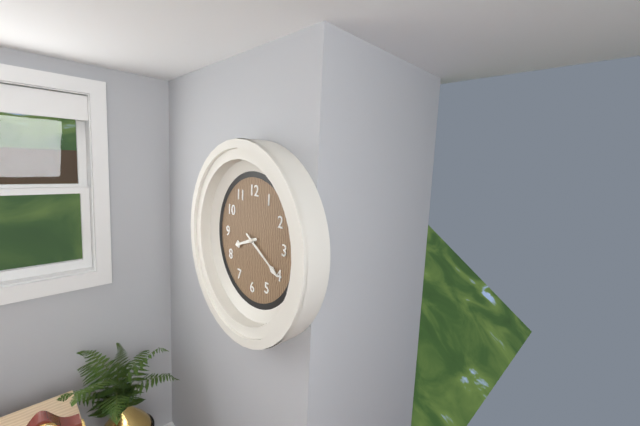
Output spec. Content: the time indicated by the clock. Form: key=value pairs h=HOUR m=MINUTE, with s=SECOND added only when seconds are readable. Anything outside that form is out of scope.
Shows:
h=8 m=20
